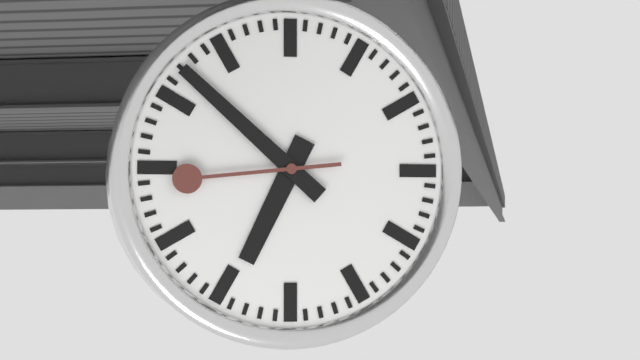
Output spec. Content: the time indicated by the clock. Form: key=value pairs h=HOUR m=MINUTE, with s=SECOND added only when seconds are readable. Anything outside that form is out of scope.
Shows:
h=6 m=52 s=44
